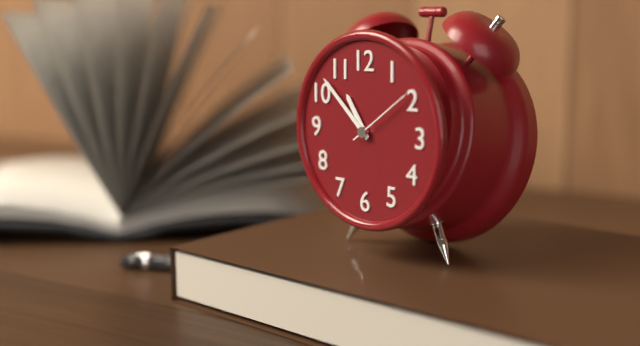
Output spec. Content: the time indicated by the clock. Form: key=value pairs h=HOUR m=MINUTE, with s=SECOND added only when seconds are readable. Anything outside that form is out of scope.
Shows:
h=10 m=52 s=9
